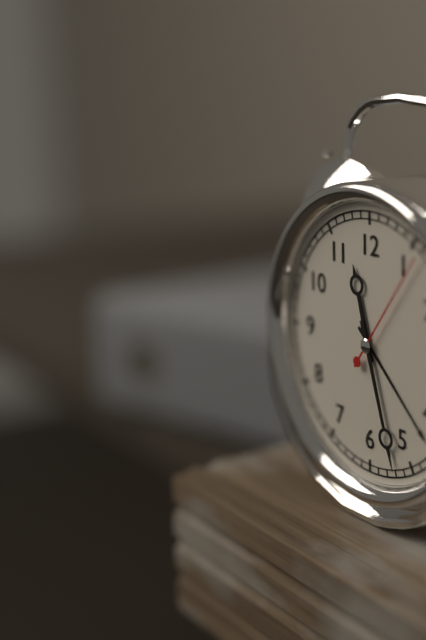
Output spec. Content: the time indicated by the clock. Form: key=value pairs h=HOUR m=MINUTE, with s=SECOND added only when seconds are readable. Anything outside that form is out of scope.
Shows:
h=11 m=27 s=6
